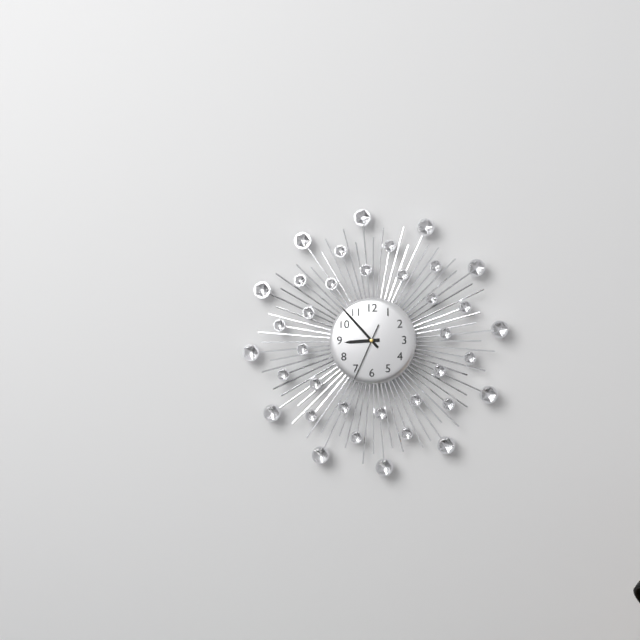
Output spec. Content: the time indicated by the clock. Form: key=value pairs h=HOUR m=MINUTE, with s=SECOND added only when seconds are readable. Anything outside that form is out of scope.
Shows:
h=8 m=53 s=34
